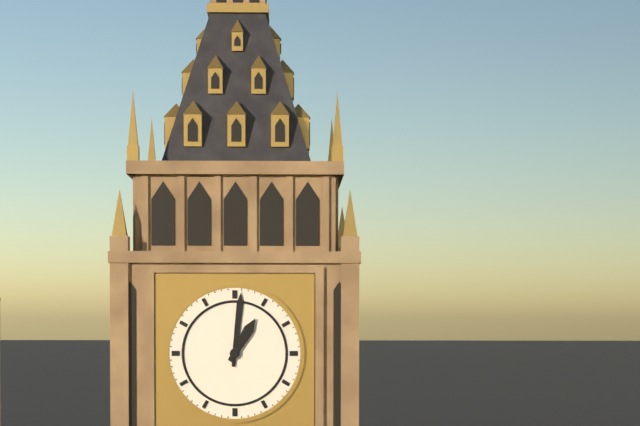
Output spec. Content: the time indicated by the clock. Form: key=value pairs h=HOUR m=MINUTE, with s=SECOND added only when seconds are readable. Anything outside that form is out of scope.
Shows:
h=1 m=1
